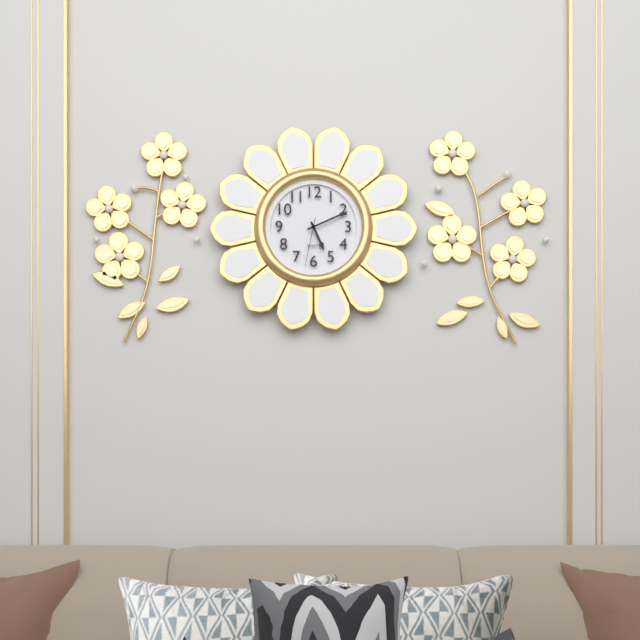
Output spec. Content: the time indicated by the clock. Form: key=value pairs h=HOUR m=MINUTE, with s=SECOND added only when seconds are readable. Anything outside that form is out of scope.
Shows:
h=5 m=11
